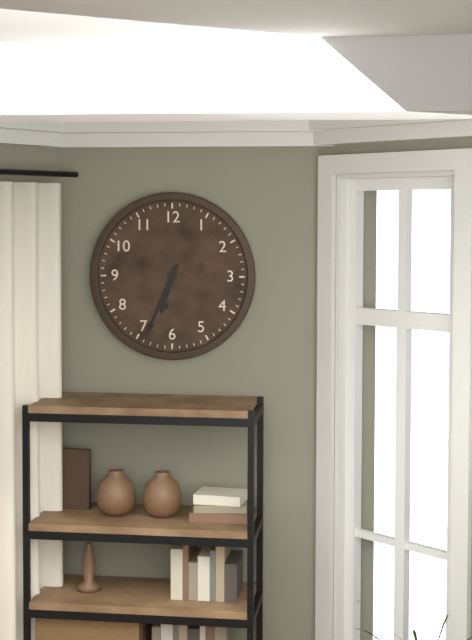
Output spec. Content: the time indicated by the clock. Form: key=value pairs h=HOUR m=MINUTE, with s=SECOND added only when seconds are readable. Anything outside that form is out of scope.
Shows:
h=6 m=34
